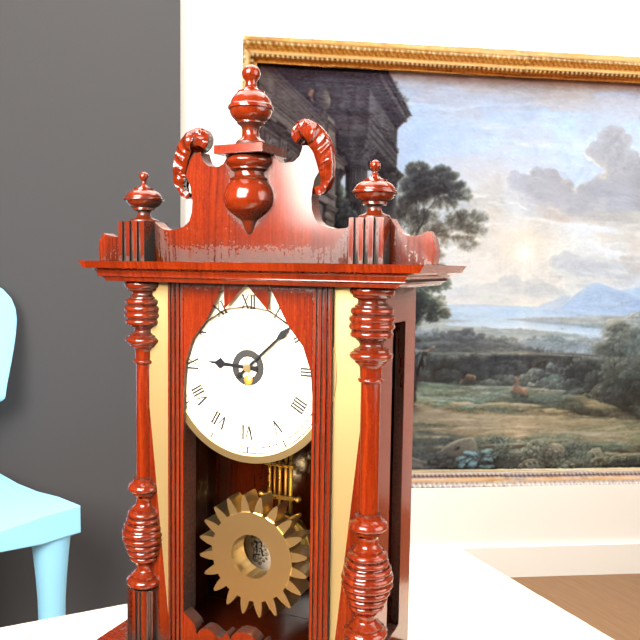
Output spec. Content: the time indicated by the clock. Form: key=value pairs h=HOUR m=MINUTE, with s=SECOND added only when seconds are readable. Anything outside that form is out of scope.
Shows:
h=9 m=8
